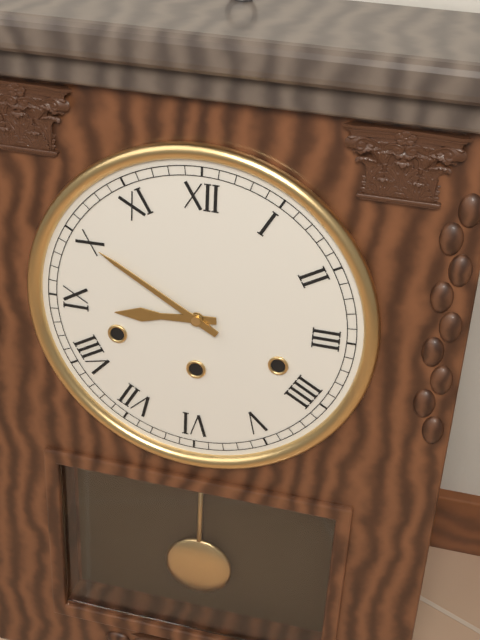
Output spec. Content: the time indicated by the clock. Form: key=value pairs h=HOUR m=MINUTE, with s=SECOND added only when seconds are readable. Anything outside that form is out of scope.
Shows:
h=8 m=50
